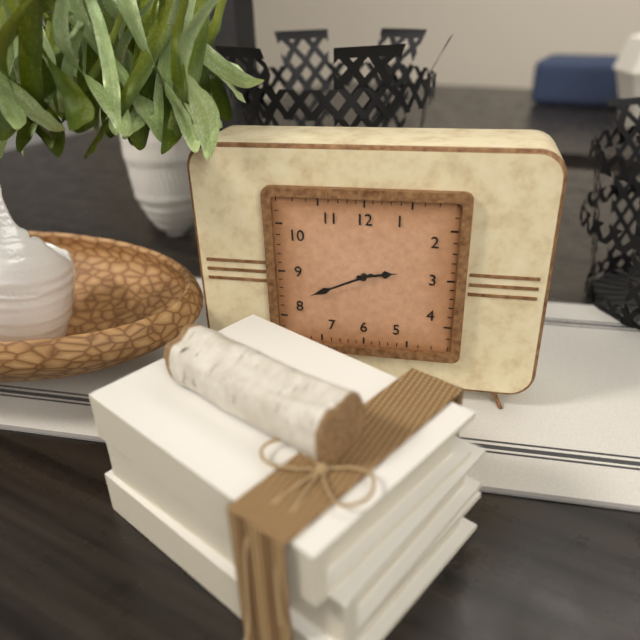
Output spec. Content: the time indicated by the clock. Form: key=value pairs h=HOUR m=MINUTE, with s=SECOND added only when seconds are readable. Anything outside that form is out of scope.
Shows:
h=2 m=41
